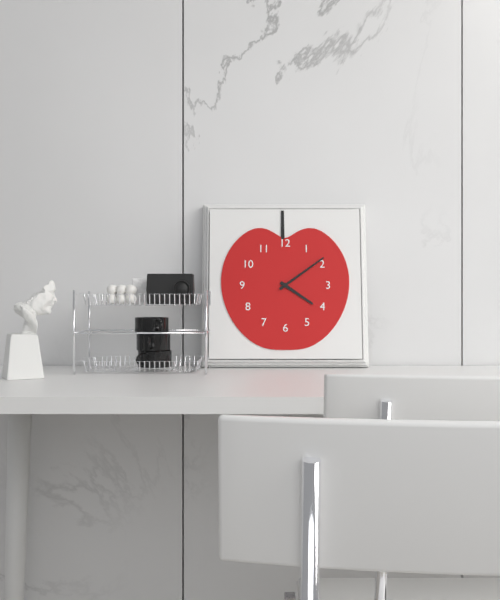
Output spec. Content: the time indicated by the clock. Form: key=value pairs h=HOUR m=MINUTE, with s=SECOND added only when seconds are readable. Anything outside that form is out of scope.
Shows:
h=4 m=9
